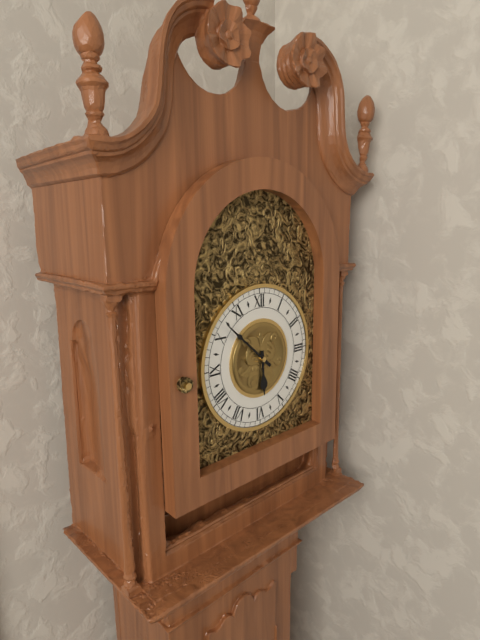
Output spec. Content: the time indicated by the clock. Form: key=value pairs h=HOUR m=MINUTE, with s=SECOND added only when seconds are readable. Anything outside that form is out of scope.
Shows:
h=5 m=52
